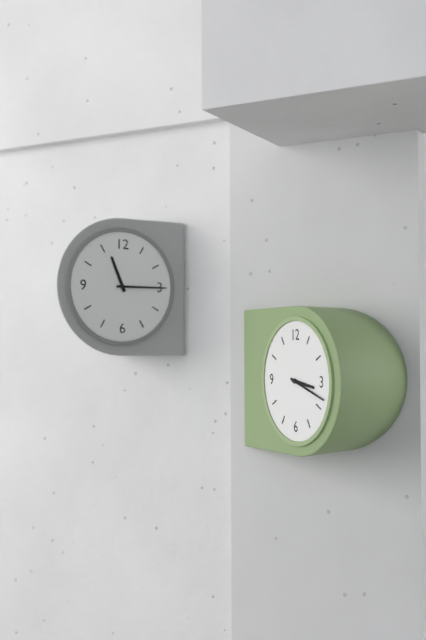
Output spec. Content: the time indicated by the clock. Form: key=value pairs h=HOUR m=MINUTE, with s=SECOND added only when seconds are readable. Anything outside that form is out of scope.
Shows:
h=3 m=18
